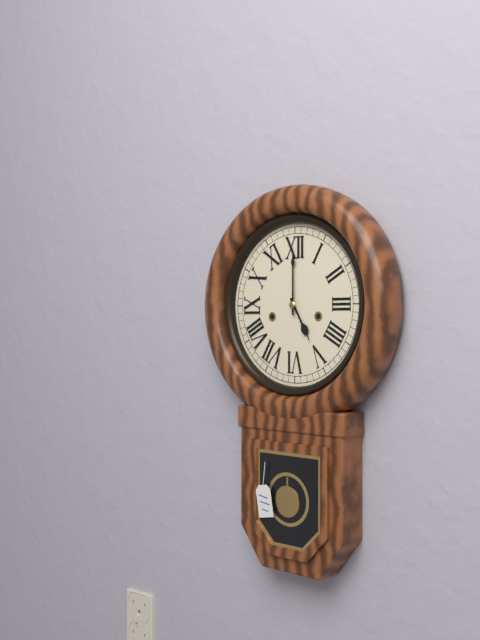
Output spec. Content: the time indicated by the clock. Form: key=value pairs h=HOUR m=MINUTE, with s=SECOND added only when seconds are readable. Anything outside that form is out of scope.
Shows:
h=5 m=0
